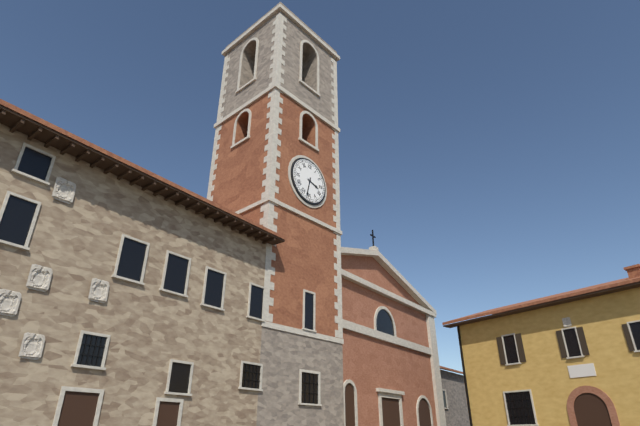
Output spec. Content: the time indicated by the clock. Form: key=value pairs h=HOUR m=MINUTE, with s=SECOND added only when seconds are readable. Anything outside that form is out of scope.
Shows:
h=3 m=32
